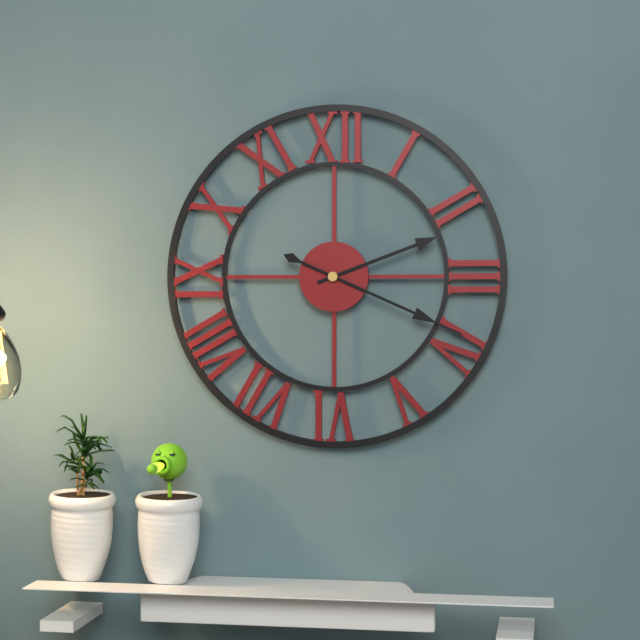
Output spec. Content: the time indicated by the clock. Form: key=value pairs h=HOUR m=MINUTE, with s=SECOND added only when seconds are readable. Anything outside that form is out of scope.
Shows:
h=2 m=19
